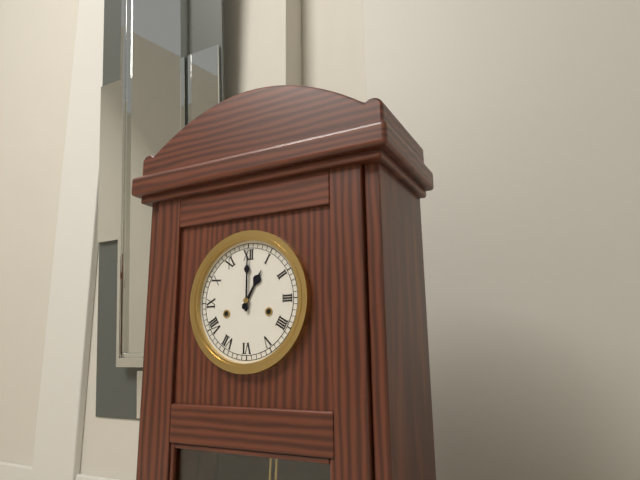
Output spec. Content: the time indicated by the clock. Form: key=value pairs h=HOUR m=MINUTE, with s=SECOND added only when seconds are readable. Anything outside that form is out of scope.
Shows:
h=1 m=0
